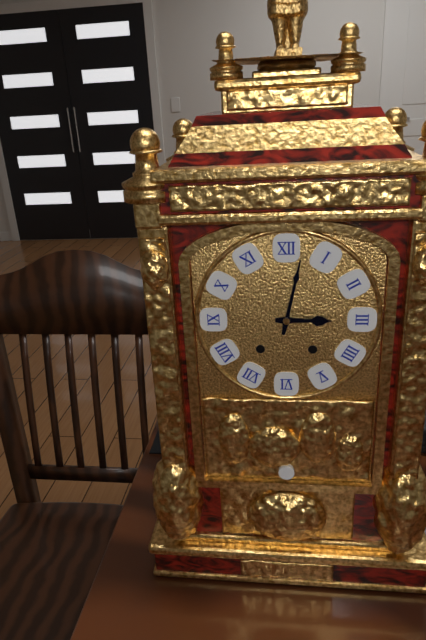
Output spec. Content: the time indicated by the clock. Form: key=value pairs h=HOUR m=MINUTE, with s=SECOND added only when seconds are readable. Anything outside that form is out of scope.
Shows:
h=3 m=2
